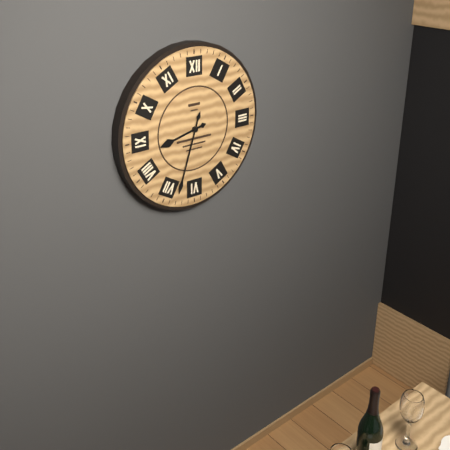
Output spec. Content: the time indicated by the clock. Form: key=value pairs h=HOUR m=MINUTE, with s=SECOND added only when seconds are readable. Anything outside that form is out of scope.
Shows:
h=8 m=33
